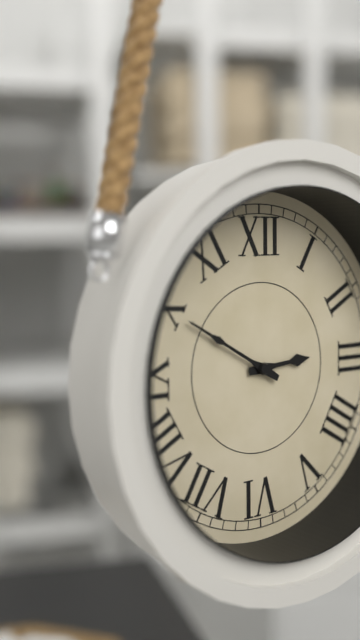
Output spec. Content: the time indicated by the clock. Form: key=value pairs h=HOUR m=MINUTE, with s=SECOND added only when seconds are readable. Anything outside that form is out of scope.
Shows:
h=2 m=50
